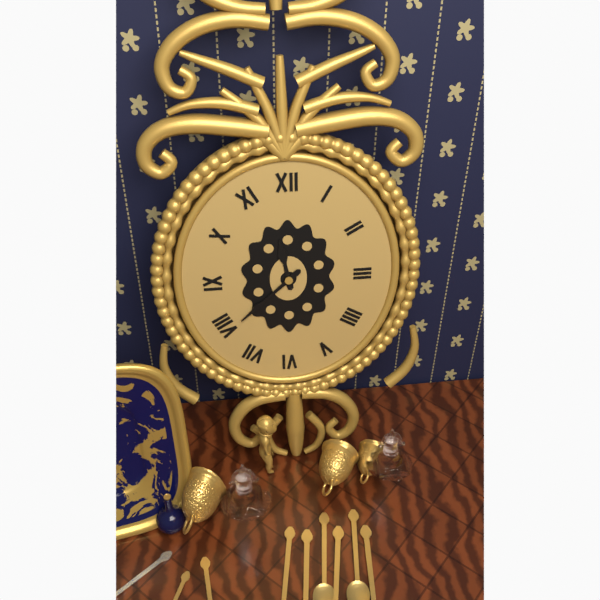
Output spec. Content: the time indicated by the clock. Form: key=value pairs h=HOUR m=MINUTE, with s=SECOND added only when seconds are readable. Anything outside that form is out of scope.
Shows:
h=11 m=38
